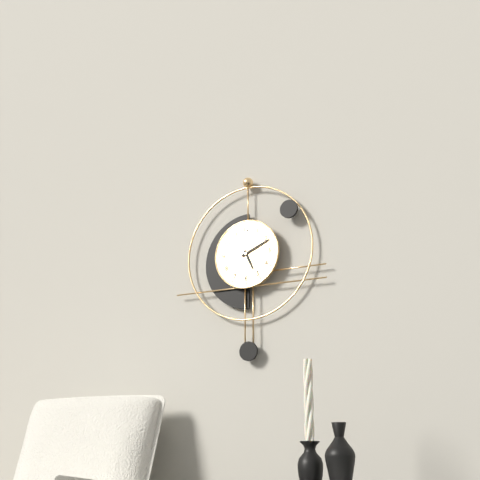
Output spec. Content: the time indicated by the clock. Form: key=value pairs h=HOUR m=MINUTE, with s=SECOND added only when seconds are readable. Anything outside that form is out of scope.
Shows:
h=5 m=11
